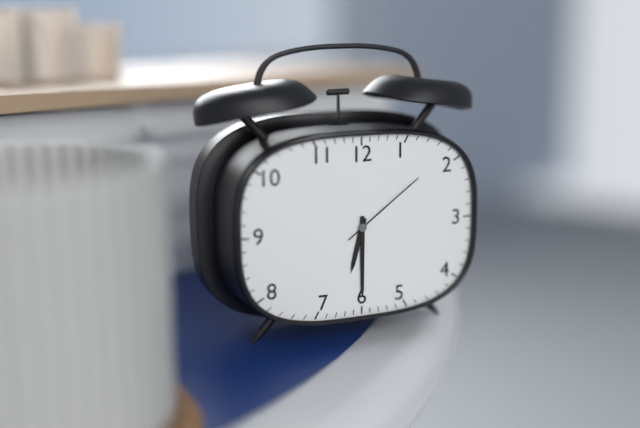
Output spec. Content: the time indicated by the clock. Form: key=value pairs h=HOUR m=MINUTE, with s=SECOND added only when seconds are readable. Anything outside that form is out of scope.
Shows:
h=6 m=30 s=9
